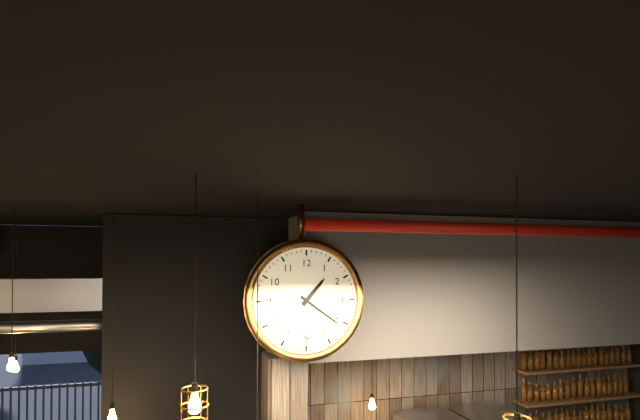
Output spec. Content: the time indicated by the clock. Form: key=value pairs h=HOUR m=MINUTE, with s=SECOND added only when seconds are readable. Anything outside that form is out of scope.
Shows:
h=1 m=21
